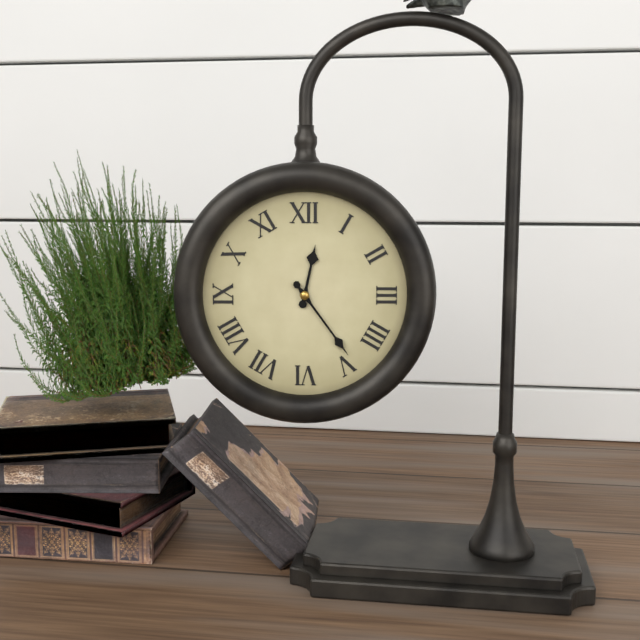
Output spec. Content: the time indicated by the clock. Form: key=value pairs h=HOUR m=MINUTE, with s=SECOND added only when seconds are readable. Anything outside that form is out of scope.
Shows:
h=12 m=24
